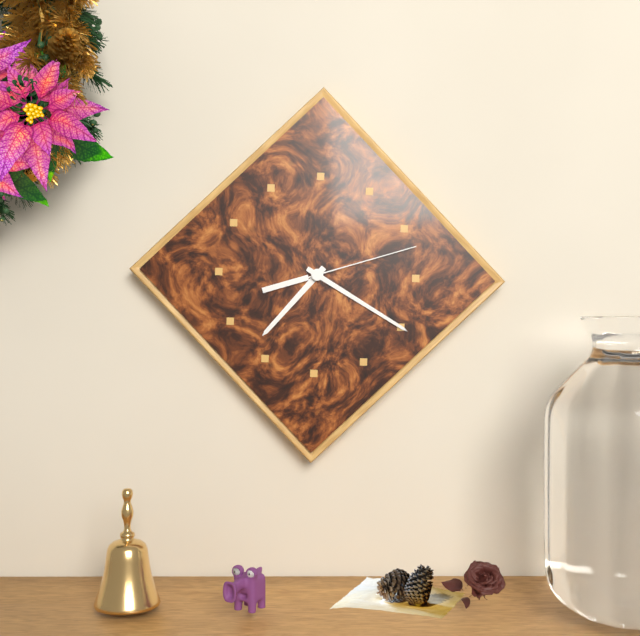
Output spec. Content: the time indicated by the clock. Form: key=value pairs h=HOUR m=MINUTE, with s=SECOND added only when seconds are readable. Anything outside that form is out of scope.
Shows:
h=7 m=20 s=12
